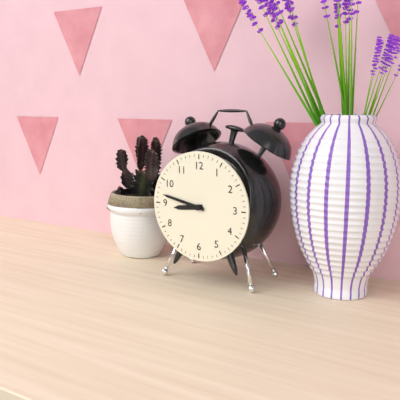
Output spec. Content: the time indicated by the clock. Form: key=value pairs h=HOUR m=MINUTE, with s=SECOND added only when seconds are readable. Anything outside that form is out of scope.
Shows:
h=8 m=47
